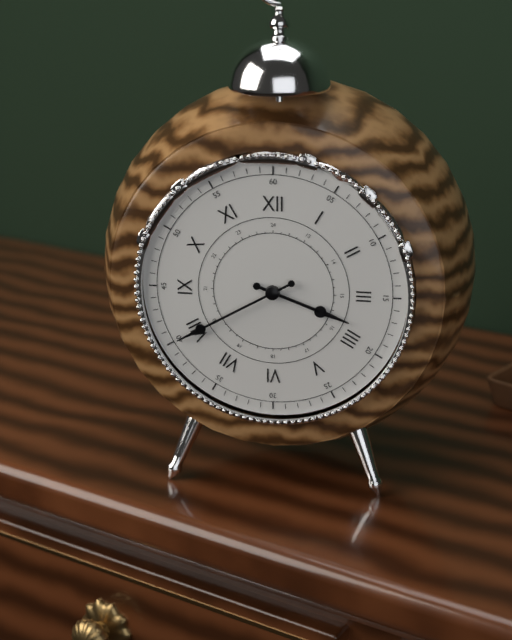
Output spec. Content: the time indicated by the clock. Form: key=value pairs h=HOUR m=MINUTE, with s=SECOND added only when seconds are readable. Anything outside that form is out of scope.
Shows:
h=3 m=40
